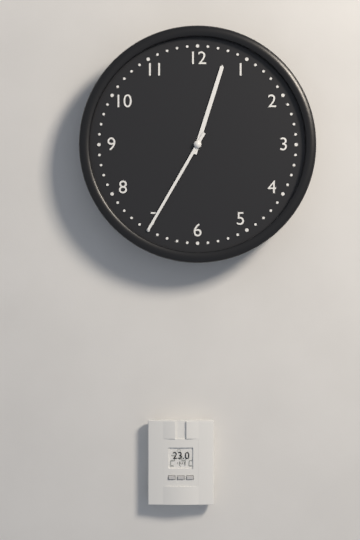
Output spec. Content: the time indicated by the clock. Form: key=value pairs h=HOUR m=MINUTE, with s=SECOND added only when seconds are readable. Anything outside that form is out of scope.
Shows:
h=12 m=35
